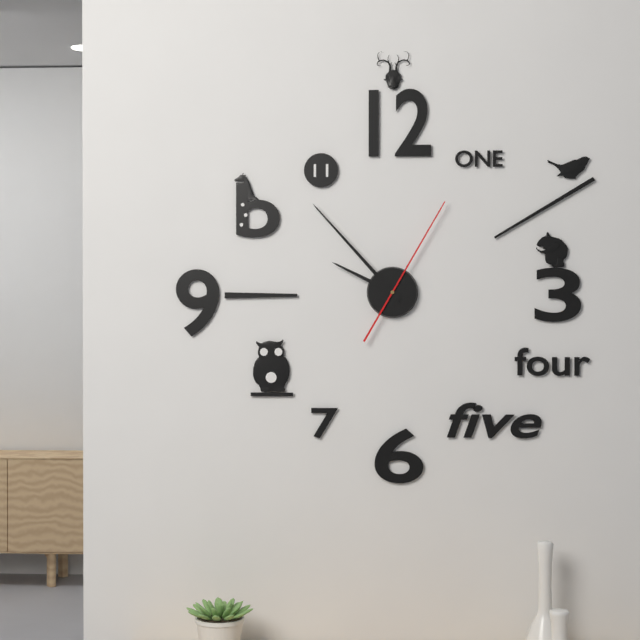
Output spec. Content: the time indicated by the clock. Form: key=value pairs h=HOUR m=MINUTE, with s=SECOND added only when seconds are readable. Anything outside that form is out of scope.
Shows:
h=9 m=53 s=5
